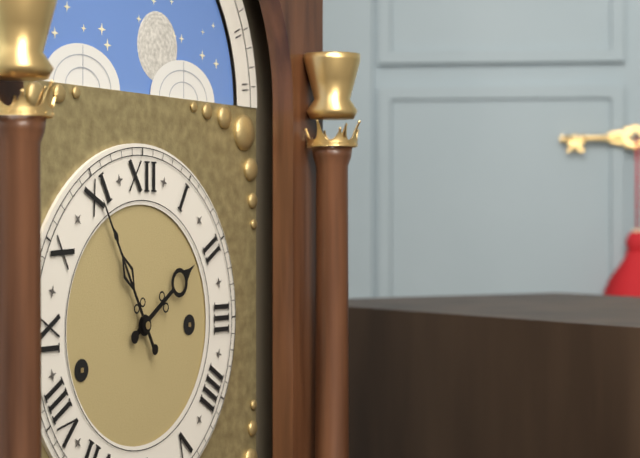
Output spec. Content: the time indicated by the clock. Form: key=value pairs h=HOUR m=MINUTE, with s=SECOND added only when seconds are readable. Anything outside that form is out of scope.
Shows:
h=1 m=55
